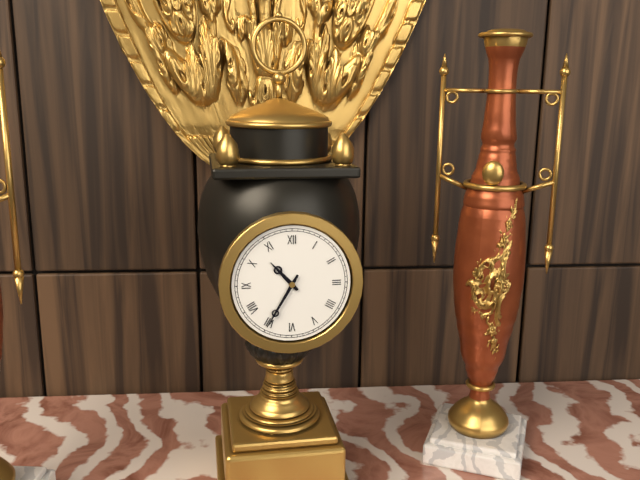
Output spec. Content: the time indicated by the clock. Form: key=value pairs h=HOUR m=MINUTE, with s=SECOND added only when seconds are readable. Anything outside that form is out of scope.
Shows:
h=10 m=35
